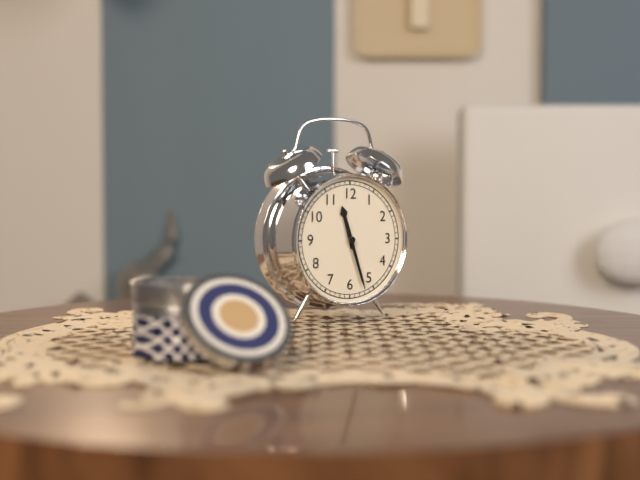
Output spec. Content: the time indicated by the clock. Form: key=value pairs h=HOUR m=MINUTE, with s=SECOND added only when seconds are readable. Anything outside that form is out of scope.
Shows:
h=11 m=27
